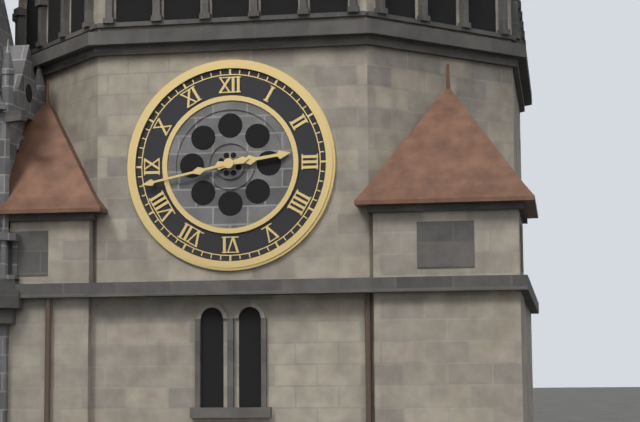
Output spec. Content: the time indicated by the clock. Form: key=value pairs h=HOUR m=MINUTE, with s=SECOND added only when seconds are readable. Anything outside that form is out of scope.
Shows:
h=2 m=43
